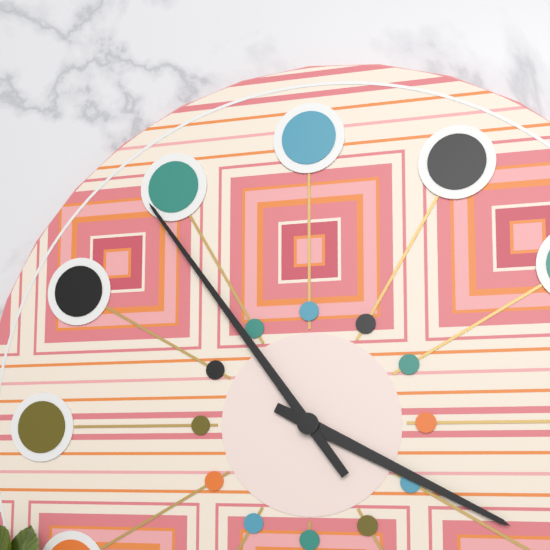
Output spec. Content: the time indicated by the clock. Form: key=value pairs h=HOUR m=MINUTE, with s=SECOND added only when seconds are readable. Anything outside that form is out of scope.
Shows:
h=3 m=54
